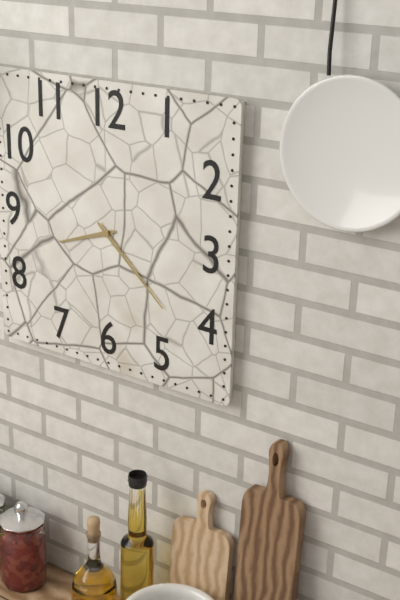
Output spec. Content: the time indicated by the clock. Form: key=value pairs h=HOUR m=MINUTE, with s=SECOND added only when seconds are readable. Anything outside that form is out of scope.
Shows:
h=8 m=22
